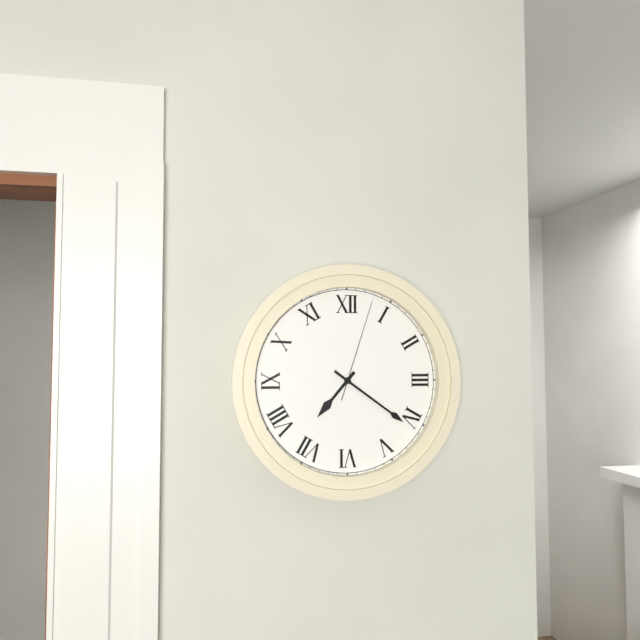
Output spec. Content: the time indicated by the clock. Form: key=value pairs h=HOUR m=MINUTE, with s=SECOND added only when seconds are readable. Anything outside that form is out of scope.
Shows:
h=7 m=21 s=3
